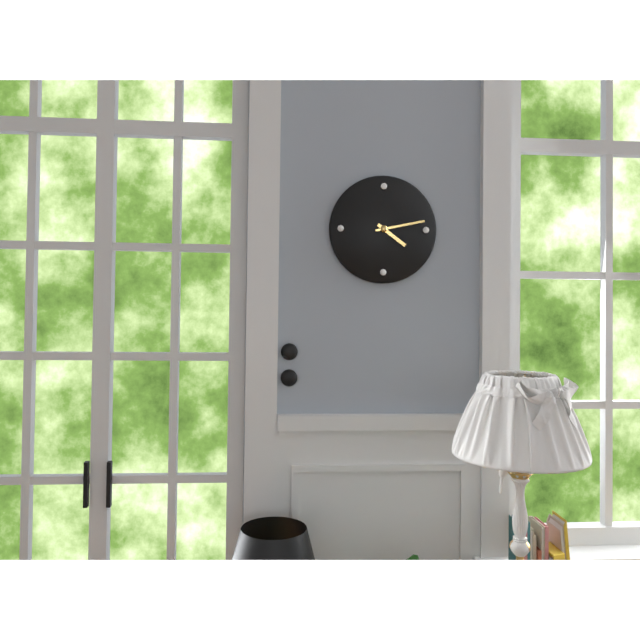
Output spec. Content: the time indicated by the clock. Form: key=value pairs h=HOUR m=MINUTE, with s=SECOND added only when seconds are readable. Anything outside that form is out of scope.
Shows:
h=4 m=13
